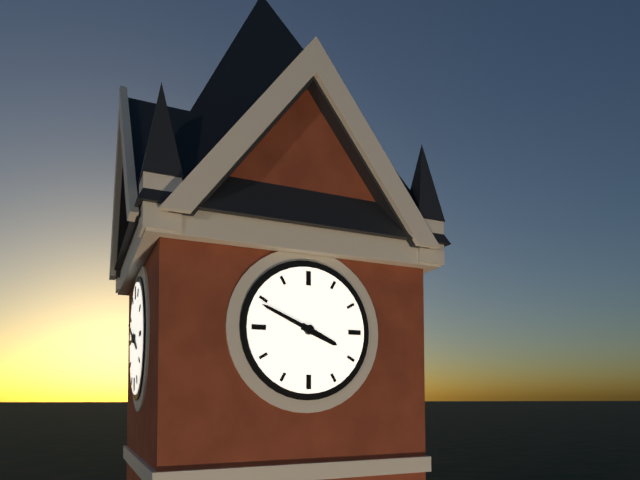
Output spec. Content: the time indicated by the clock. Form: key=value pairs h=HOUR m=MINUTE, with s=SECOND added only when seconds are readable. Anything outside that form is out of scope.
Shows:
h=3 m=49
